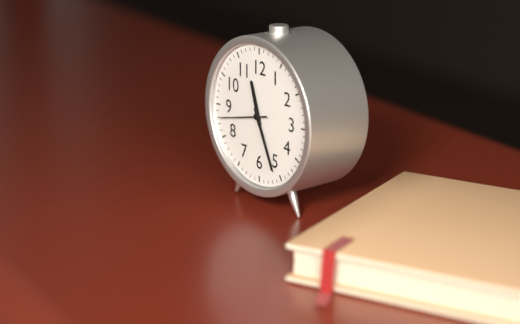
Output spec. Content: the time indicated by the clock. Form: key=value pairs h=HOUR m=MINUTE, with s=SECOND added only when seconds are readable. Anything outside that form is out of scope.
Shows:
h=11 m=26
